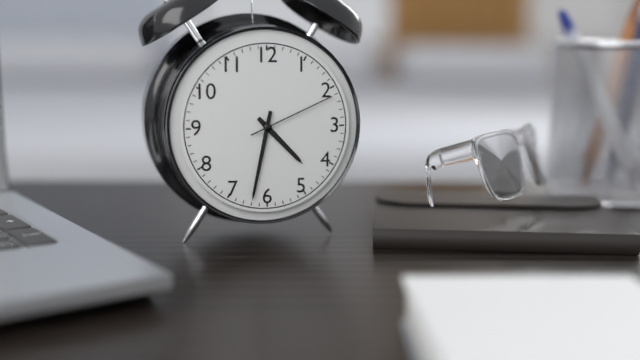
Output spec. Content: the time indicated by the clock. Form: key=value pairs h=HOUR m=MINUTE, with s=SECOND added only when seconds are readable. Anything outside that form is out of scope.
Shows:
h=4 m=32 s=11
